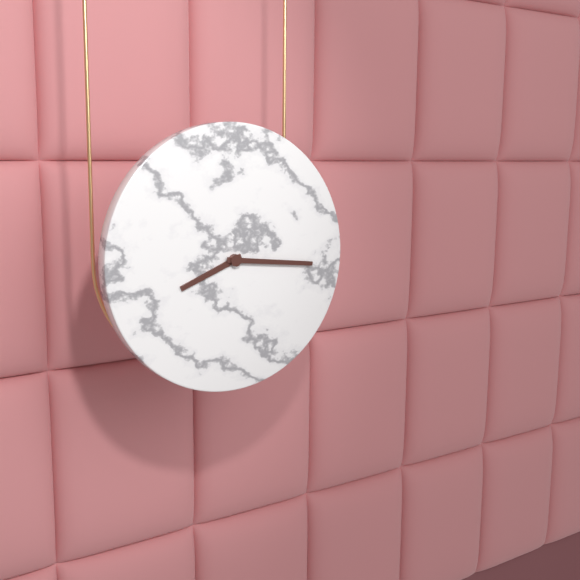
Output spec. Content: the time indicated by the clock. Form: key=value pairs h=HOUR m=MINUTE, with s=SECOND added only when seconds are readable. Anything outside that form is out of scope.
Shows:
h=8 m=16
